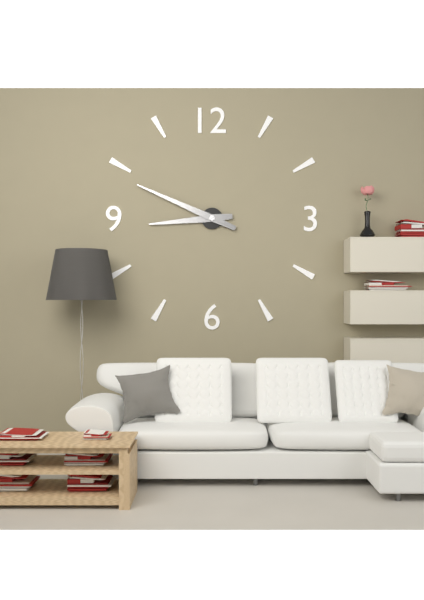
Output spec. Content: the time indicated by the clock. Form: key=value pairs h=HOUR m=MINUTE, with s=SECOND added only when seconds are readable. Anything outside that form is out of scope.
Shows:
h=8 m=49
